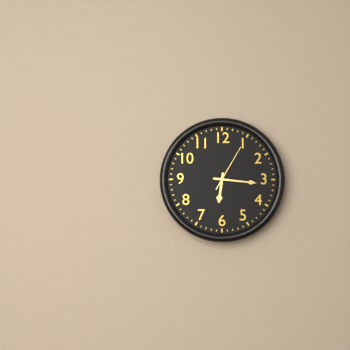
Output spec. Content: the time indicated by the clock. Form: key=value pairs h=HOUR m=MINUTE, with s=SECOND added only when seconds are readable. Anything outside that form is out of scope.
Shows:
h=6 m=16
